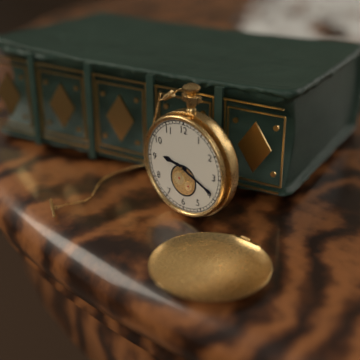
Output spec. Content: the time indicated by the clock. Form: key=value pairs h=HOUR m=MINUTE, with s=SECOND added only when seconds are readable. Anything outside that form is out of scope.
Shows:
h=9 m=19
